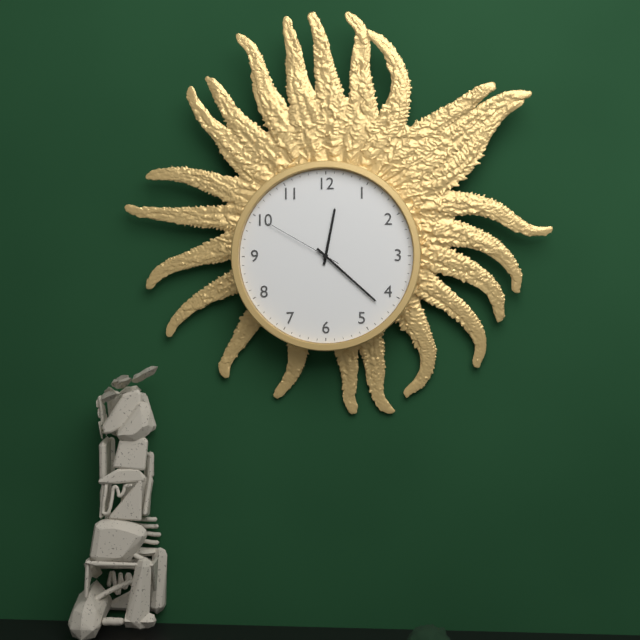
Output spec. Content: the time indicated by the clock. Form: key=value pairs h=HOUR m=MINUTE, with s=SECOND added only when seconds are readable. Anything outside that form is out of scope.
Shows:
h=12 m=22 s=50
